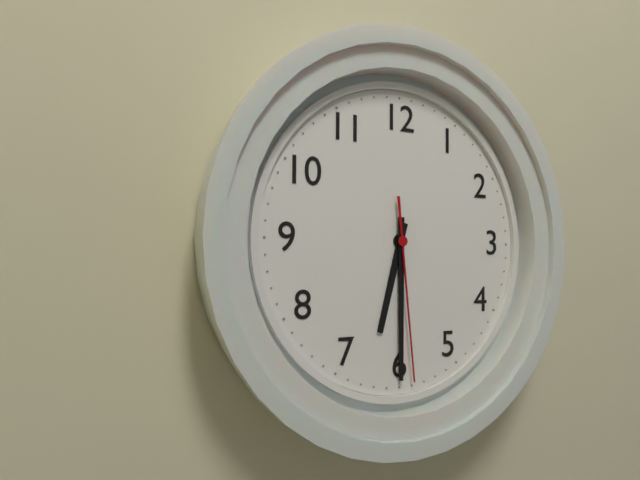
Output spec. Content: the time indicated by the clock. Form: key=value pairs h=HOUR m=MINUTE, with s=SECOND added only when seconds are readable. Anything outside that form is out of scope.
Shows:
h=6 m=30 s=29
